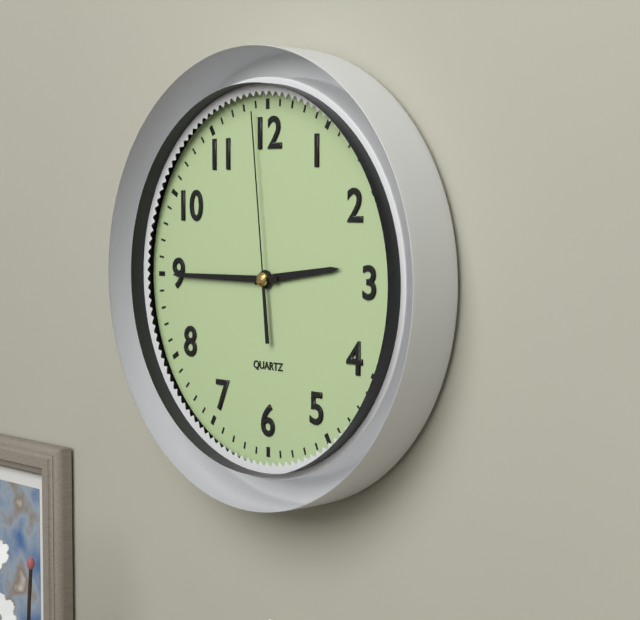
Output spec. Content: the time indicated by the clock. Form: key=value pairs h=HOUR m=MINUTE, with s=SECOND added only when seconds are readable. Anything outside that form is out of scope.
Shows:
h=2 m=45 s=59
